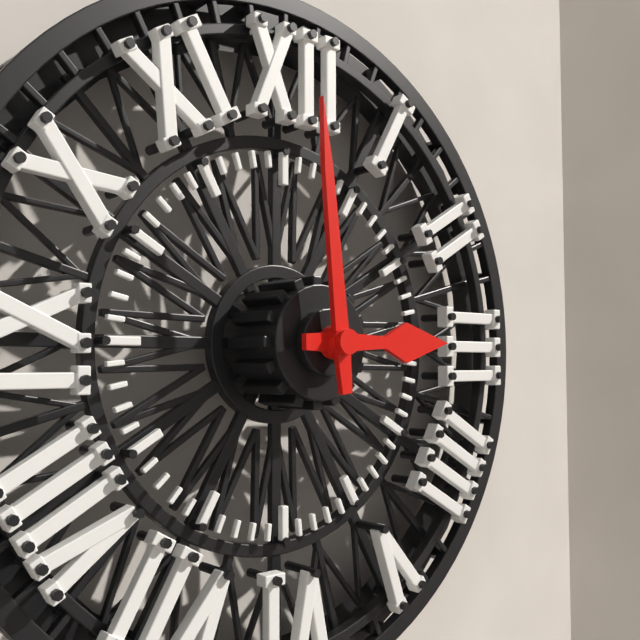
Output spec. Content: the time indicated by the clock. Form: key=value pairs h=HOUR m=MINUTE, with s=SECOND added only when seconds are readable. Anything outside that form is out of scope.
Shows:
h=2 m=59
